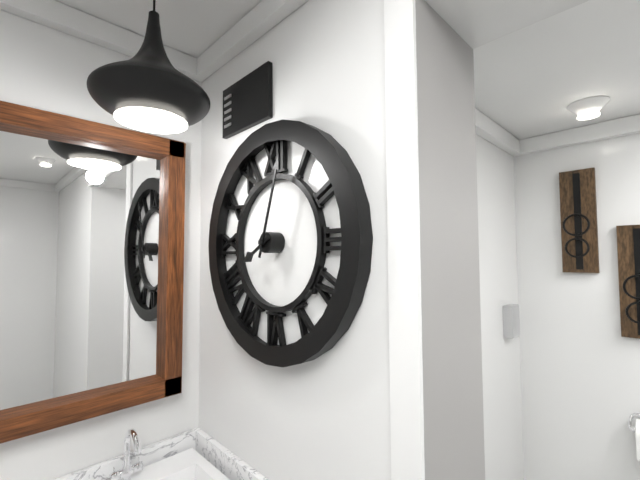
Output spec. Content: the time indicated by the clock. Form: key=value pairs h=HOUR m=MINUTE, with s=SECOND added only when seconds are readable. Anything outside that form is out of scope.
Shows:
h=8 m=3
